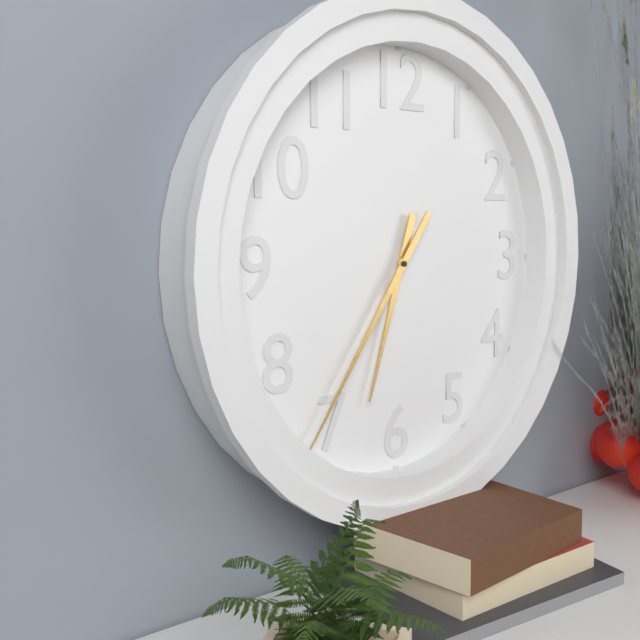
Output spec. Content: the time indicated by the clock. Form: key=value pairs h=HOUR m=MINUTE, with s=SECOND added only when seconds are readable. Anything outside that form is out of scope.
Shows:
h=6 m=36
